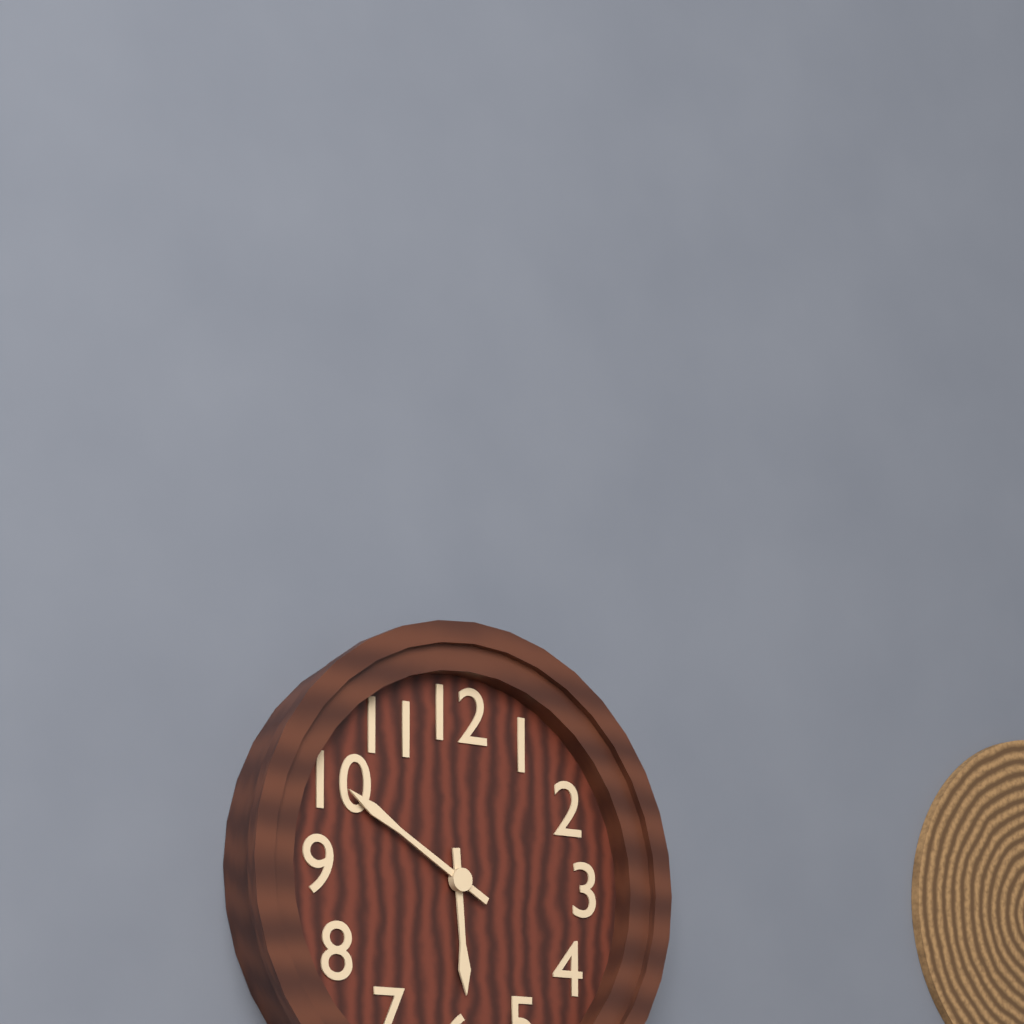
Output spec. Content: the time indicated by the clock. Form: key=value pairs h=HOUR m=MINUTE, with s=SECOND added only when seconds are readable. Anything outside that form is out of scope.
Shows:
h=5 m=50
